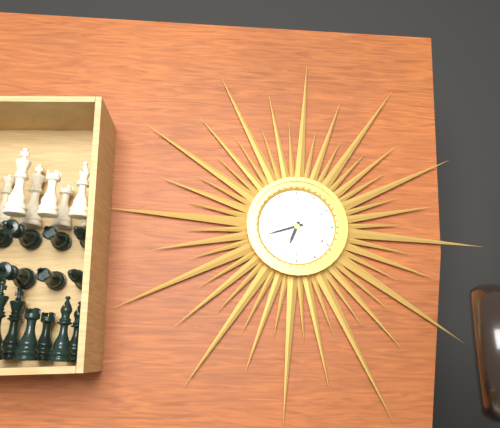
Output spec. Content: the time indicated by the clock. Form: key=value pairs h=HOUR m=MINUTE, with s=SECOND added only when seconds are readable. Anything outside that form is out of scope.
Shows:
h=6 m=42
